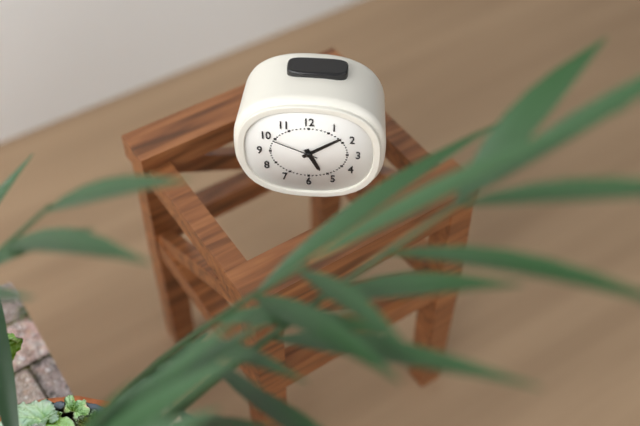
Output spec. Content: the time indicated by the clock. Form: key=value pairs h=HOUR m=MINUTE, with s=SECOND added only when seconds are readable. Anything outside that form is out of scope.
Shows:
h=5 m=9
